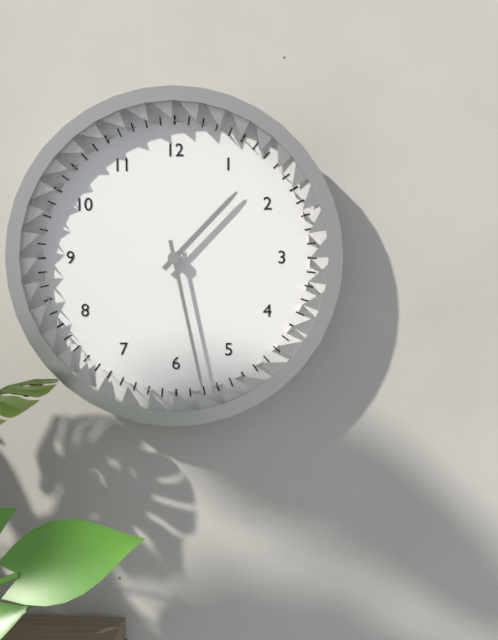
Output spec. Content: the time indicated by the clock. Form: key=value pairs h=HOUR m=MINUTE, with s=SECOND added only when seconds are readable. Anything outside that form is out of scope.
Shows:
h=1 m=28
